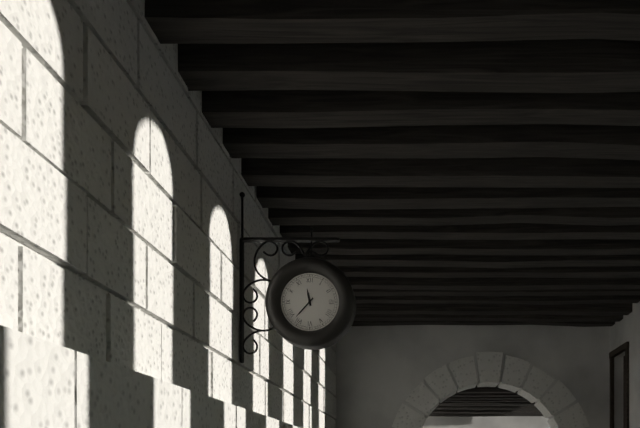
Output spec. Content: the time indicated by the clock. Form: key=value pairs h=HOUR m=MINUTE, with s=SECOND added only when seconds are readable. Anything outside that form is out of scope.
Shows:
h=11 m=37
